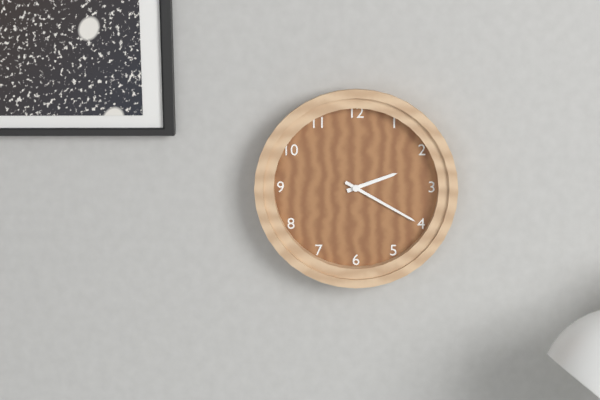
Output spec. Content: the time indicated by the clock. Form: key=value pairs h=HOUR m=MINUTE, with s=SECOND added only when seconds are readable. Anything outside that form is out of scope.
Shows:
h=2 m=20
